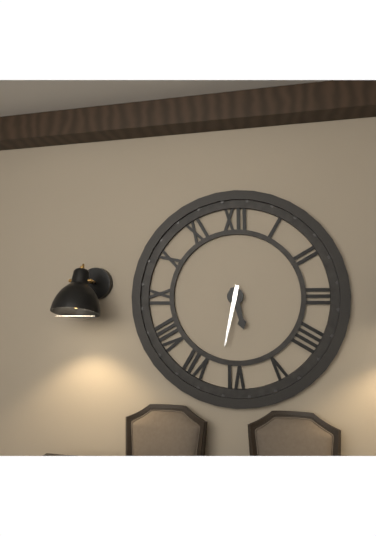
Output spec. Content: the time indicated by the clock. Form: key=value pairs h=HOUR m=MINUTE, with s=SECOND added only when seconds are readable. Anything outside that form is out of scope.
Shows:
h=5 m=32
